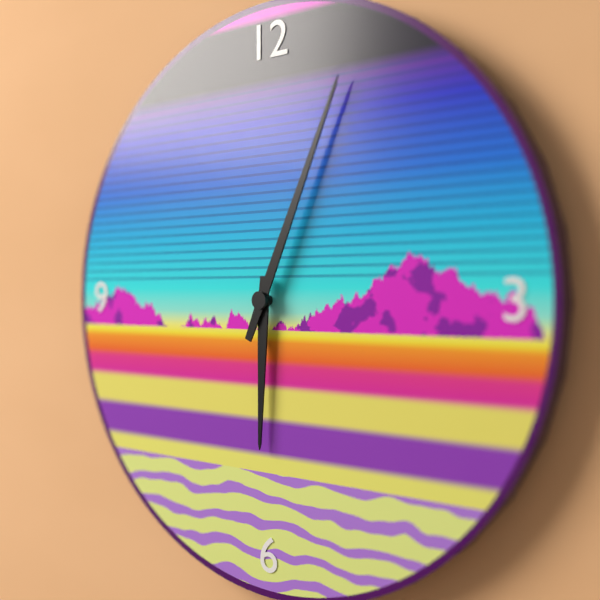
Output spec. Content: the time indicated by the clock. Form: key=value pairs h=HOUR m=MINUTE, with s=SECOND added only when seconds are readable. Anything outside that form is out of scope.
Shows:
h=6 m=4
